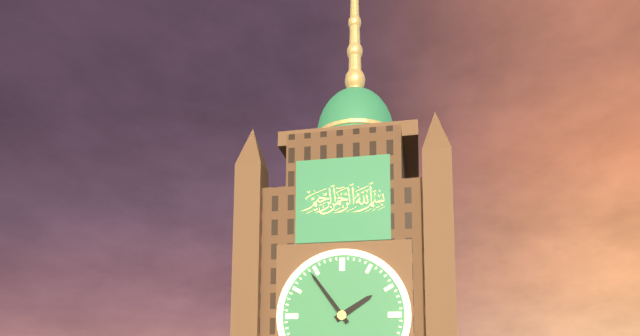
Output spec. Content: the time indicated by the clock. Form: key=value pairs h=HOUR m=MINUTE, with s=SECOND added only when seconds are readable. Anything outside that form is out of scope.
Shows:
h=1 m=54
